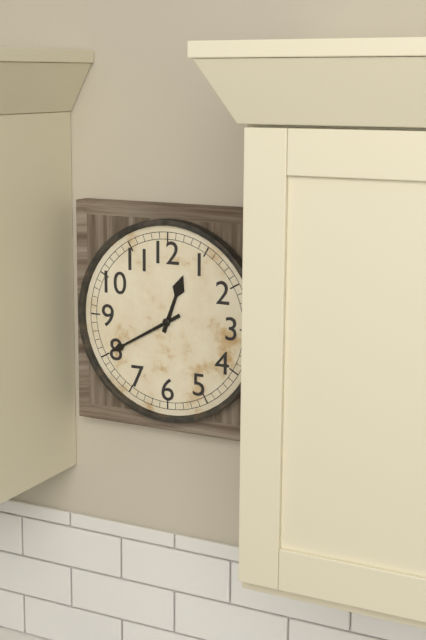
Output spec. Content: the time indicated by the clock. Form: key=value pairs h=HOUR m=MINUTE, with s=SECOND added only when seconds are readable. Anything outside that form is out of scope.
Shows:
h=12 m=40
